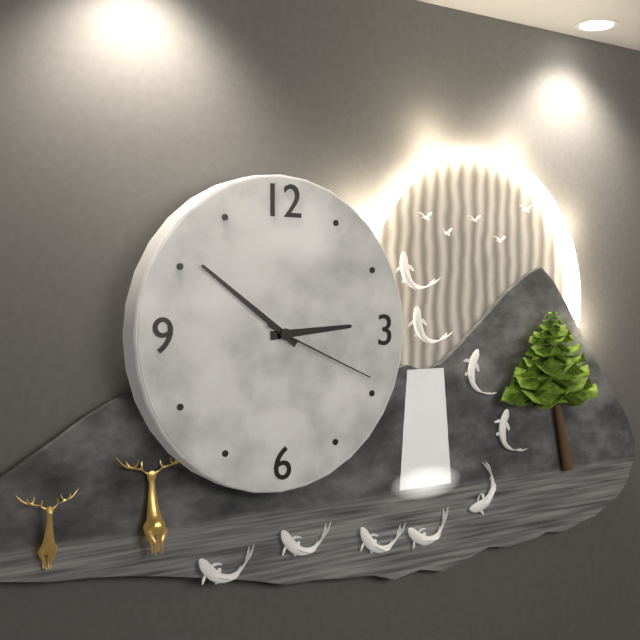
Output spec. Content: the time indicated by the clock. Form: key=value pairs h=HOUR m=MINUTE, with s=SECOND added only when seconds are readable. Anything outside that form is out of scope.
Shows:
h=2 m=51 s=19
